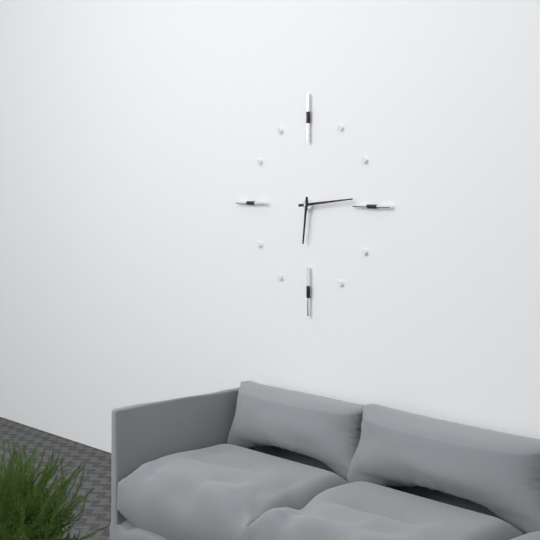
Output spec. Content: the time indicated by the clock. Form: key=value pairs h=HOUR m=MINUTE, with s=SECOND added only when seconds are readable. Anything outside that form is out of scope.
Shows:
h=6 m=14
